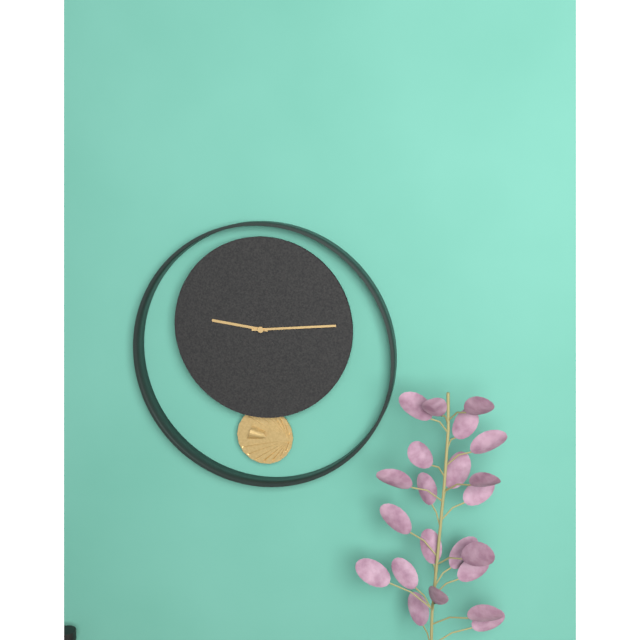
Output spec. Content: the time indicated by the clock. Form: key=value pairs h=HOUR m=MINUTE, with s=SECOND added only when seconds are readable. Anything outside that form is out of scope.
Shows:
h=9 m=14
